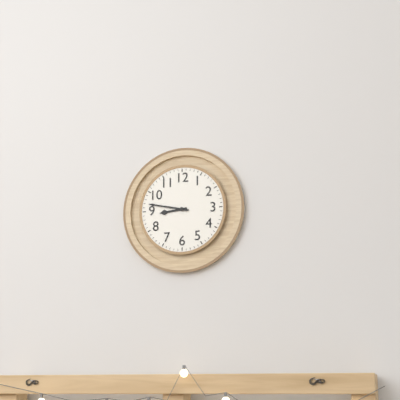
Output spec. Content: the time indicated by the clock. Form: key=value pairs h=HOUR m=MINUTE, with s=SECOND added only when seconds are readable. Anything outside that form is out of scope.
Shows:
h=8 m=47
